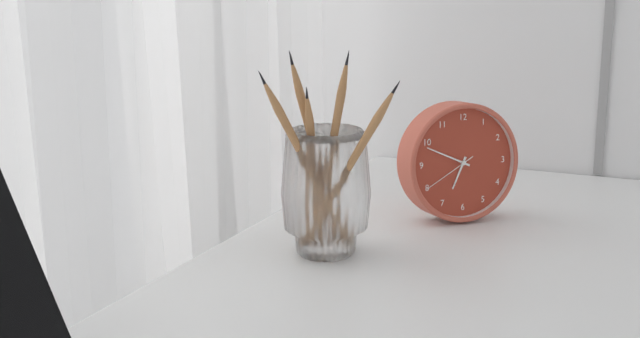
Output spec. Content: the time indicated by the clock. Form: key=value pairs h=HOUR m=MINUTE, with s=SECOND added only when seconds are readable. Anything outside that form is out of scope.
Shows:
h=6 m=49 s=40
